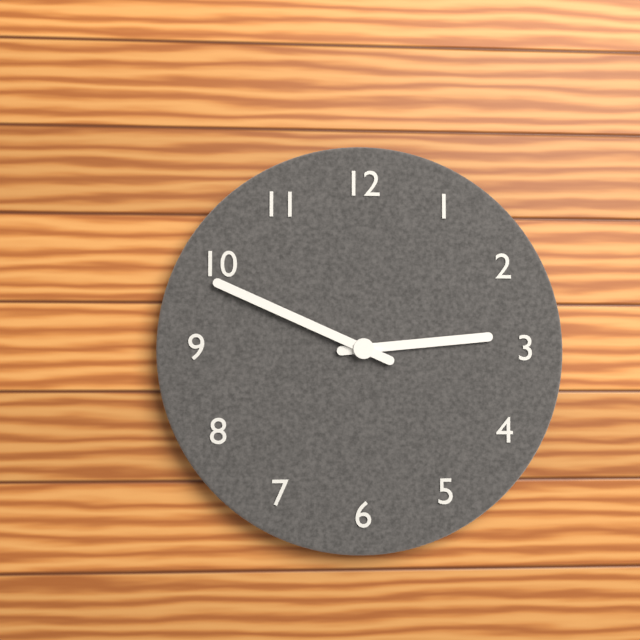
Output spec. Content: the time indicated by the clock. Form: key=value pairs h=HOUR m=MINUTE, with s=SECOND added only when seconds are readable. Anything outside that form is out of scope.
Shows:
h=2 m=49
